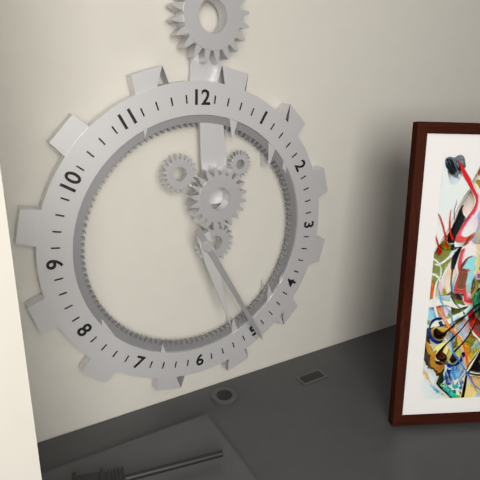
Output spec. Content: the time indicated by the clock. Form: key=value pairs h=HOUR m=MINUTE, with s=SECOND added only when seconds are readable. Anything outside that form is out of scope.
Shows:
h=5 m=25
